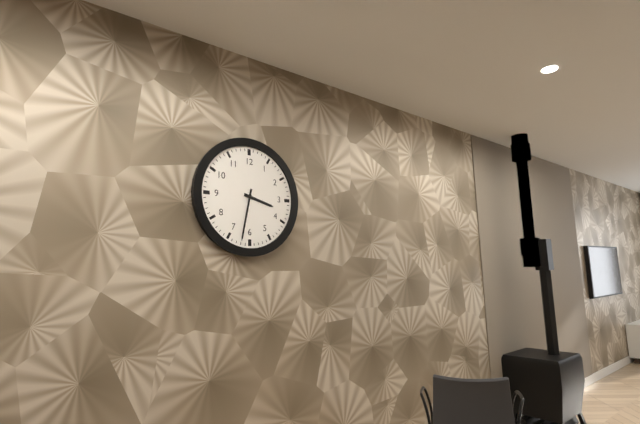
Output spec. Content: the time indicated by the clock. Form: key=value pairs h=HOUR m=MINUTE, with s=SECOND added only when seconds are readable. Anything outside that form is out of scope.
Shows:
h=3 m=32
